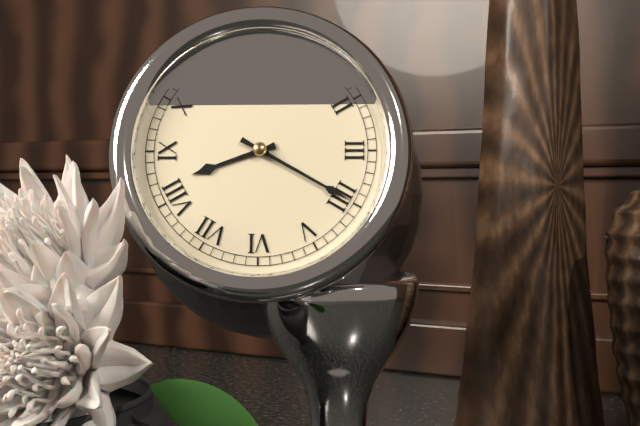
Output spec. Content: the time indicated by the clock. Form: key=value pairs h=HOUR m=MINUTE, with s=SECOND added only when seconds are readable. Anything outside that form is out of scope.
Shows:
h=8 m=20
